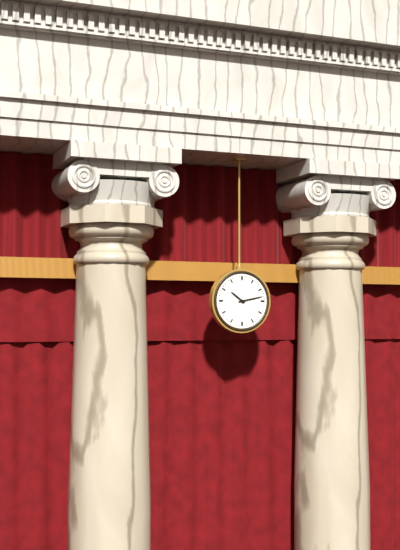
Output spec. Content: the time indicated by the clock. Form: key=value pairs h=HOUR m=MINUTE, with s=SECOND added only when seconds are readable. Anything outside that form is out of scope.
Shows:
h=10 m=13
